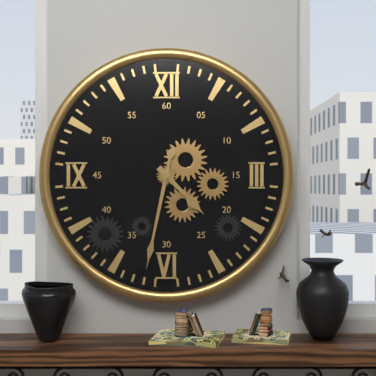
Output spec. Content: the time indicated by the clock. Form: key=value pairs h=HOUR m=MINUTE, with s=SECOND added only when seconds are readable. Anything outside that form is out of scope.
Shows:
h=4 m=32
